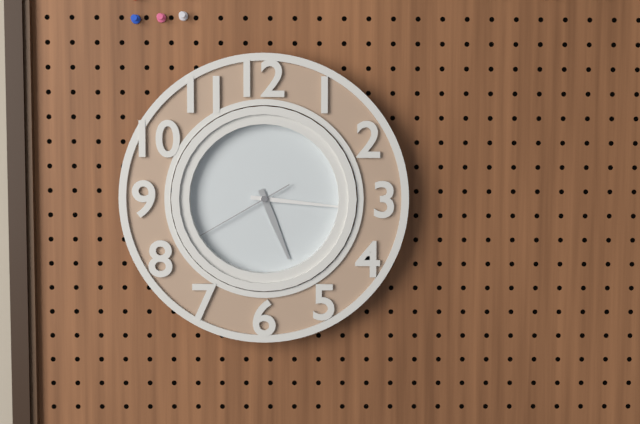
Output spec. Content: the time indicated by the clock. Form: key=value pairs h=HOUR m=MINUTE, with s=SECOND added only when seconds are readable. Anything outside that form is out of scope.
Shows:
h=5 m=16 s=40
